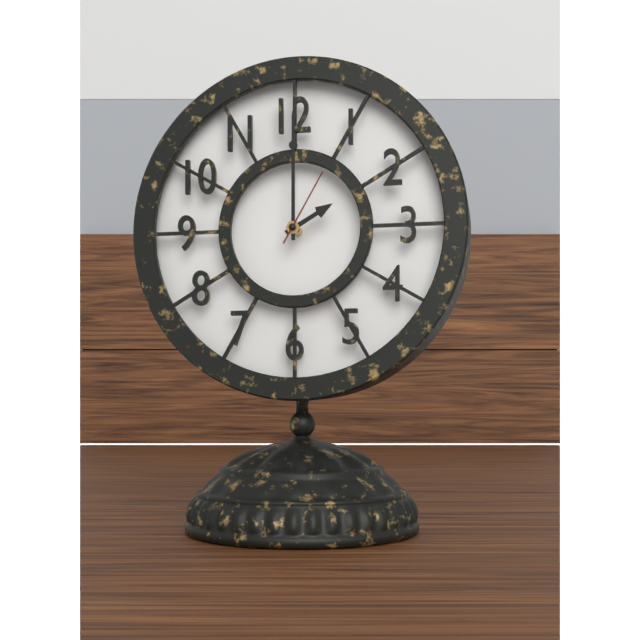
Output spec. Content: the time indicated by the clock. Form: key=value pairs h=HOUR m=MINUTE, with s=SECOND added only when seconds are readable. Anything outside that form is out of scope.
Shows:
h=2 m=0 s=5
